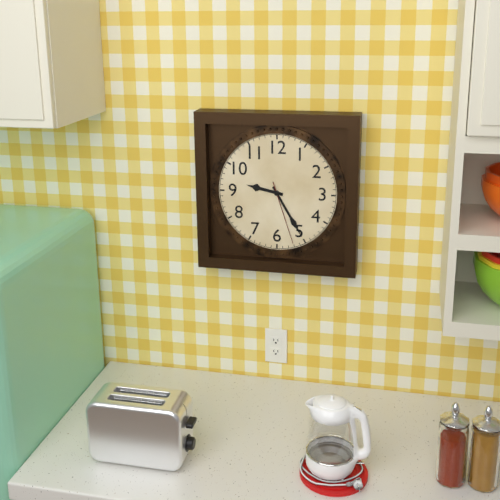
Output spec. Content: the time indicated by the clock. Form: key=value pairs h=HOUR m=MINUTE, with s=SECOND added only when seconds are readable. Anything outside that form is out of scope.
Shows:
h=9 m=25 s=27
